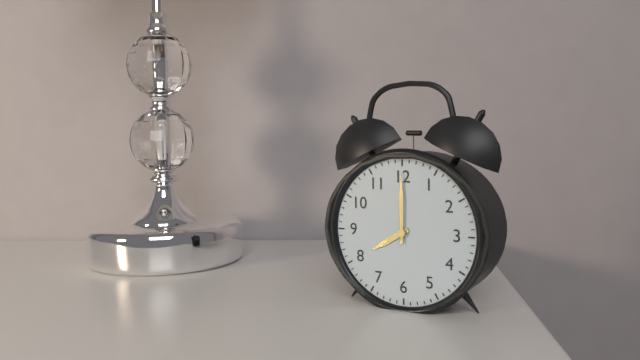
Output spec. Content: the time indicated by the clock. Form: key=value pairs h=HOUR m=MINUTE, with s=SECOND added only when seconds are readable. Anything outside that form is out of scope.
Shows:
h=8 m=0
